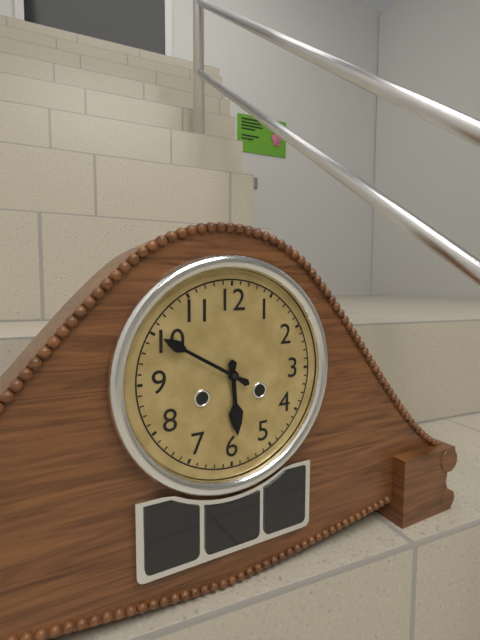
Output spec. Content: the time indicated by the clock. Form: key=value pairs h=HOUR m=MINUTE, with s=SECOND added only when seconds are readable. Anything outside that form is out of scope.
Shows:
h=5 m=50
